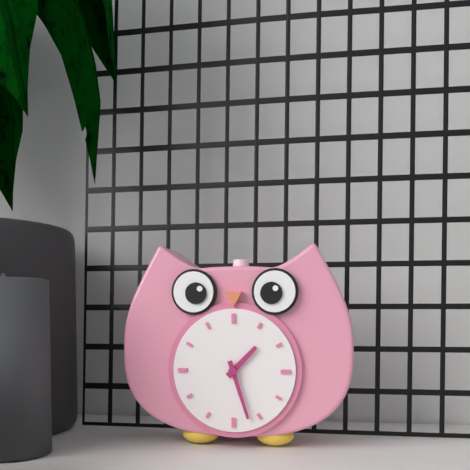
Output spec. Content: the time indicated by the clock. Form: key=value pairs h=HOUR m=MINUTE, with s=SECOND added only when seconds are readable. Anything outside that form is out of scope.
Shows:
h=1 m=27
